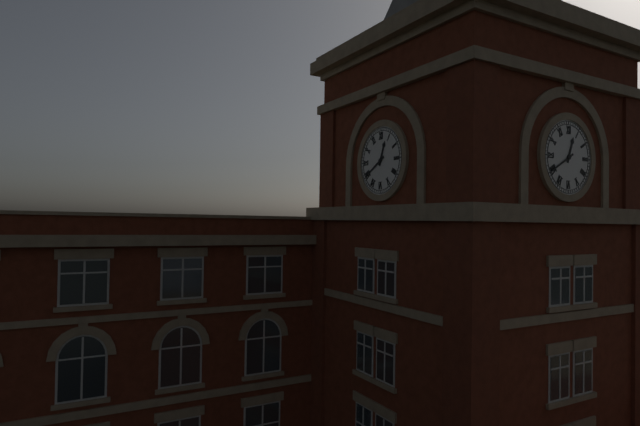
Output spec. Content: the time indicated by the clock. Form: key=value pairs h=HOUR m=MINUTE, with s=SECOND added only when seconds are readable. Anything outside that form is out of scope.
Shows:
h=12 m=40
